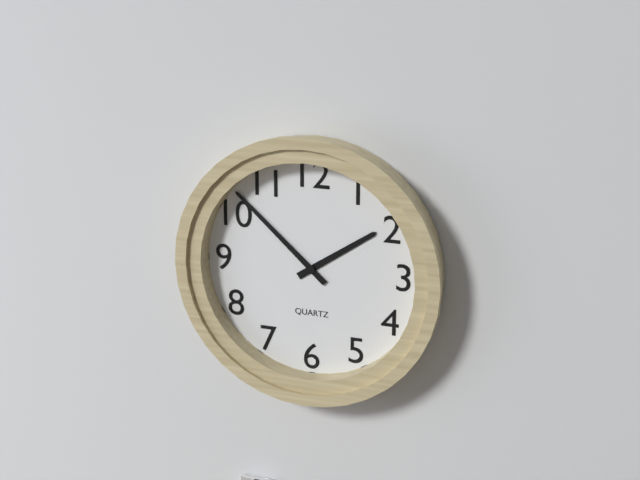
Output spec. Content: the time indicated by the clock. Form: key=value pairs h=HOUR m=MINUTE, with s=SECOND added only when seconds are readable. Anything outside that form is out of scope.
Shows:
h=1 m=52
